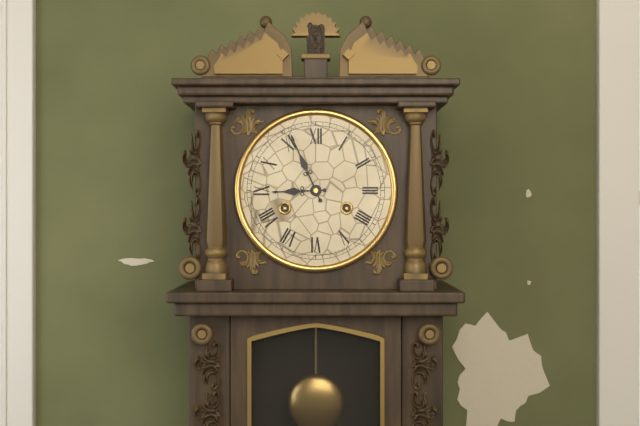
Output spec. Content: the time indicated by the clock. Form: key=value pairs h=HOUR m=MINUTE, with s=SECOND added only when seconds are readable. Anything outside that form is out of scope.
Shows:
h=8 m=56
